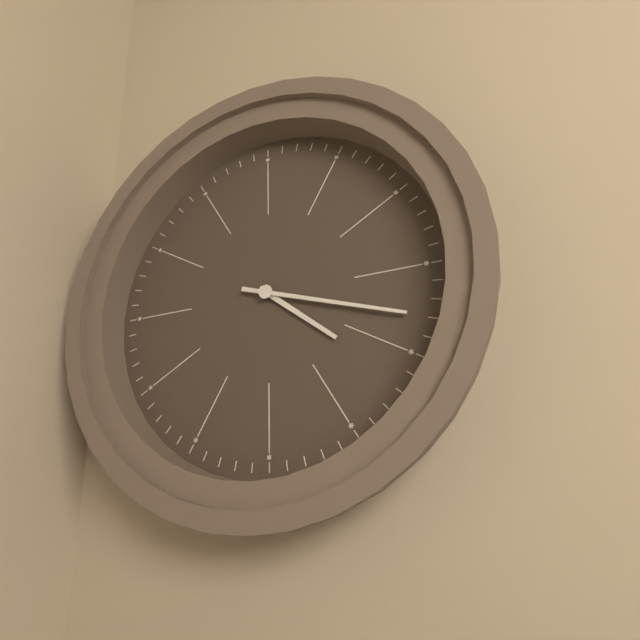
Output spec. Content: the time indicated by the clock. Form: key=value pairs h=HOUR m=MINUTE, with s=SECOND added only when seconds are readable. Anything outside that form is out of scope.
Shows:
h=4 m=18
